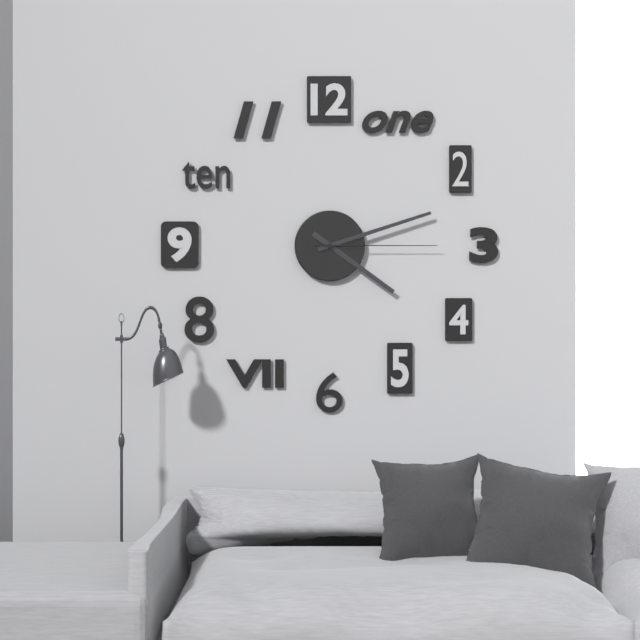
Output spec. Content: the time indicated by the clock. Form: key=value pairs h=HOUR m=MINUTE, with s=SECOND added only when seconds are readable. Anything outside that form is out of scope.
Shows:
h=4 m=12 s=15
